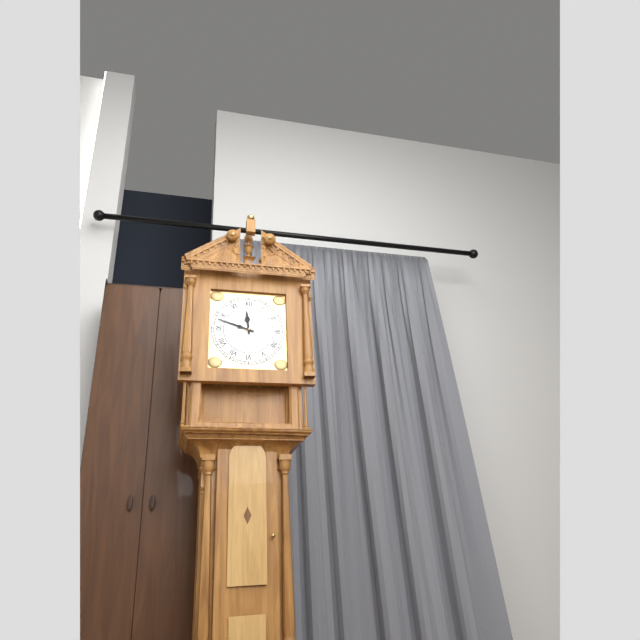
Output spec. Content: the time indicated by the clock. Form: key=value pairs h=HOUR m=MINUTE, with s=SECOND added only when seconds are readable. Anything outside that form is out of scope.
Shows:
h=11 m=48
